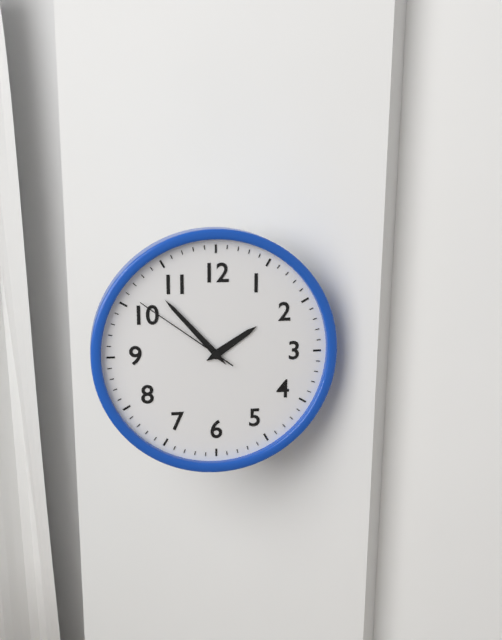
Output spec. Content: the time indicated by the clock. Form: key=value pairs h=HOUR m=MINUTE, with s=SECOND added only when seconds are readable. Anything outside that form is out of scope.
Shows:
h=1 m=53 s=51
